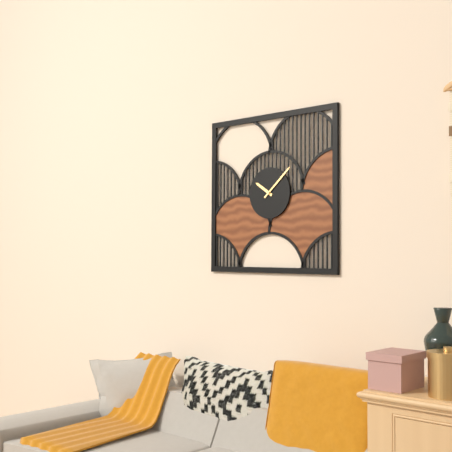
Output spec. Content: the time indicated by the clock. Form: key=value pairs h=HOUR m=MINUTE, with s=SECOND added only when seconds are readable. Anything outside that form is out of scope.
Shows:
h=10 m=8
